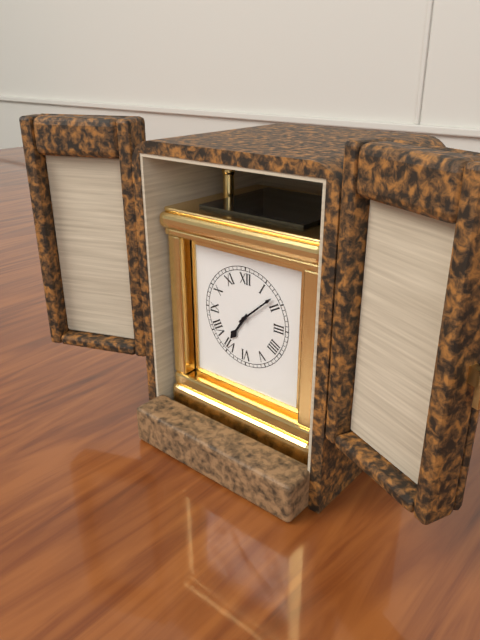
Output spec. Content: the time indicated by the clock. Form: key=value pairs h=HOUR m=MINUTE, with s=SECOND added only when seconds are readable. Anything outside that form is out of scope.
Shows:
h=7 m=8
